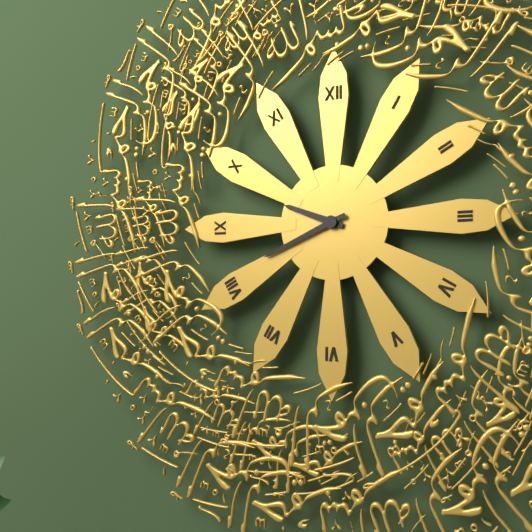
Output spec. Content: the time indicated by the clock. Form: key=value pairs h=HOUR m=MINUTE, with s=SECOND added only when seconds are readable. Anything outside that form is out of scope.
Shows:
h=9 m=41
